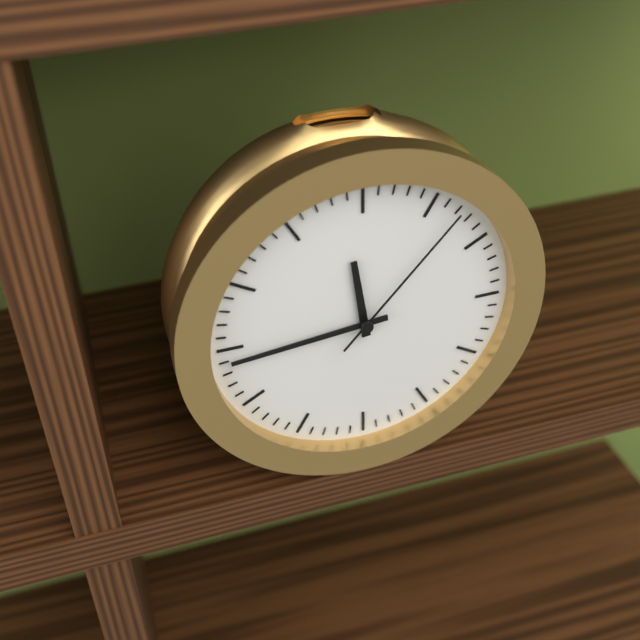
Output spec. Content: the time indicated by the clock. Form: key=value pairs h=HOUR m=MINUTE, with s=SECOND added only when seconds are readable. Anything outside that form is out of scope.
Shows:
h=11 m=44 s=7
